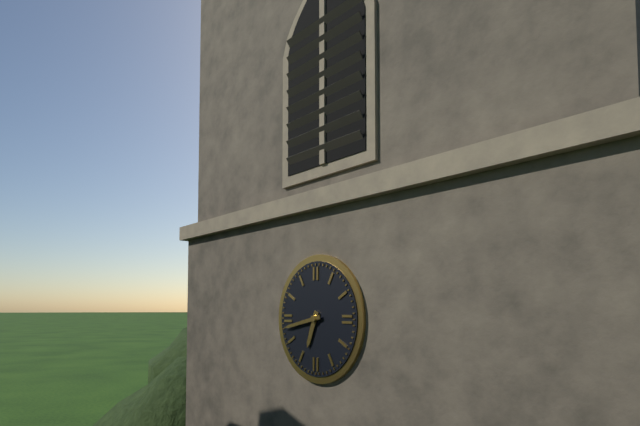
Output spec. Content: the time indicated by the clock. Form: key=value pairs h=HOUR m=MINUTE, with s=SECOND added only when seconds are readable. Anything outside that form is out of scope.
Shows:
h=6 m=43
